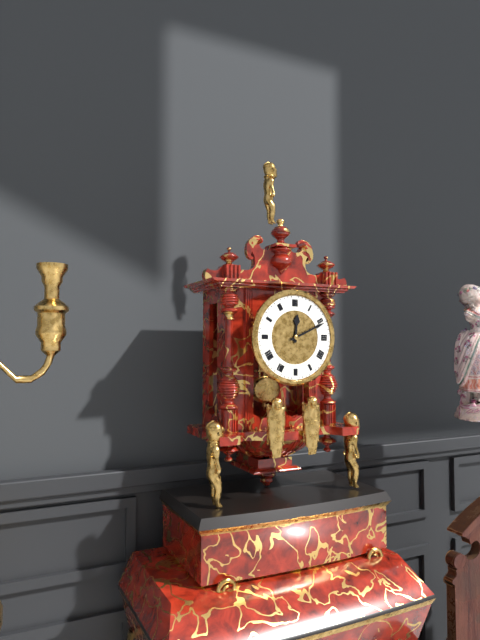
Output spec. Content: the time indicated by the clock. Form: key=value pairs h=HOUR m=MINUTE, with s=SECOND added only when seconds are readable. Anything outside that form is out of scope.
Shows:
h=12 m=11
